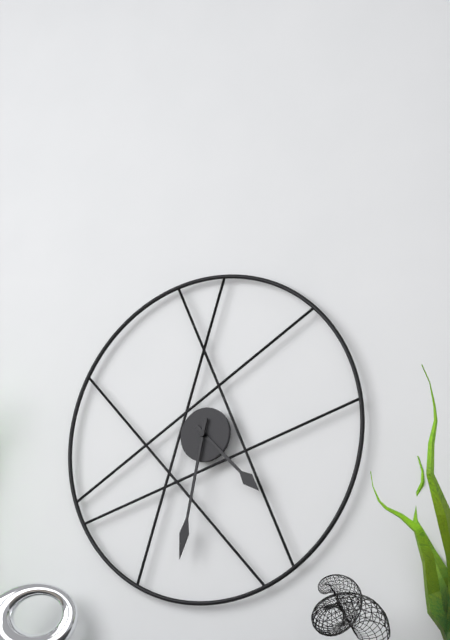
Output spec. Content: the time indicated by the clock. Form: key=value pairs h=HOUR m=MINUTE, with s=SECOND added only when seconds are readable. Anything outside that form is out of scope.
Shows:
h=4 m=32
